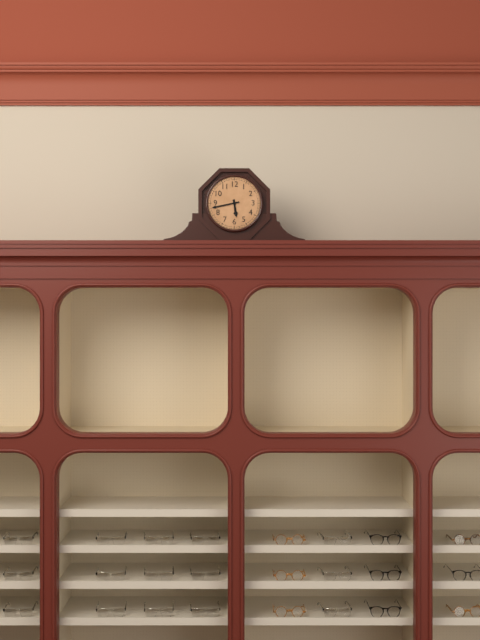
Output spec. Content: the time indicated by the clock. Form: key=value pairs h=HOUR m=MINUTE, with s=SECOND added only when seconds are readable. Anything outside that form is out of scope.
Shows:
h=5 m=43
